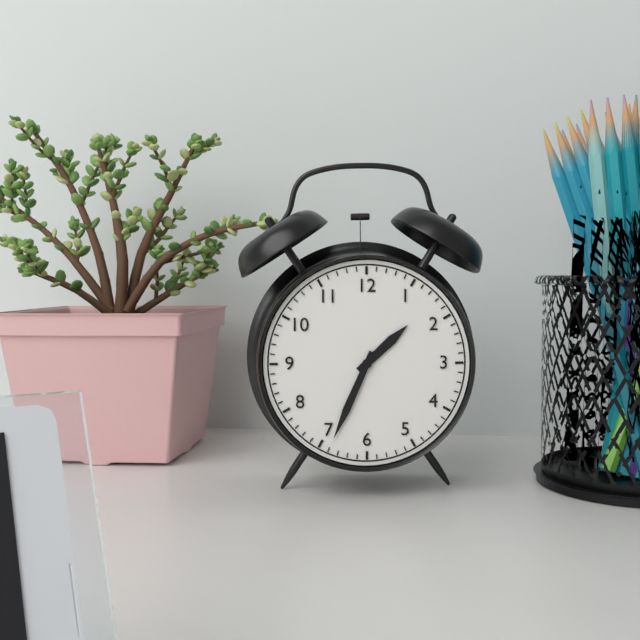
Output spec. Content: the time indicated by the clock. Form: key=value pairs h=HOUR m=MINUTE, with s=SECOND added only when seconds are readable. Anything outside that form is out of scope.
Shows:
h=1 m=34
